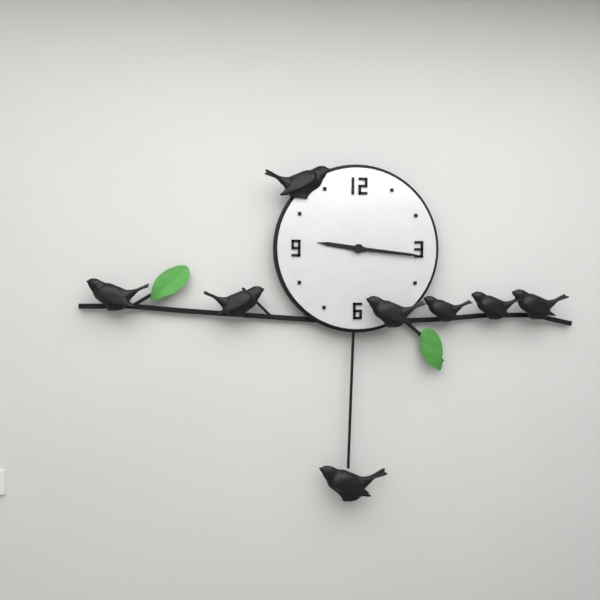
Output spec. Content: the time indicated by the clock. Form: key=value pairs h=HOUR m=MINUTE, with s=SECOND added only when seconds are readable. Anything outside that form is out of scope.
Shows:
h=9 m=16
